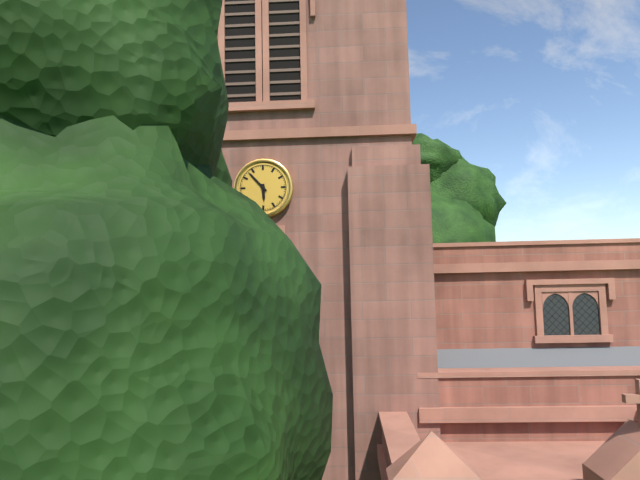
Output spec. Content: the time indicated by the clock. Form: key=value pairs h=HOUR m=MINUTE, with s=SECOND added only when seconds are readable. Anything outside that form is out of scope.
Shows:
h=5 m=53
